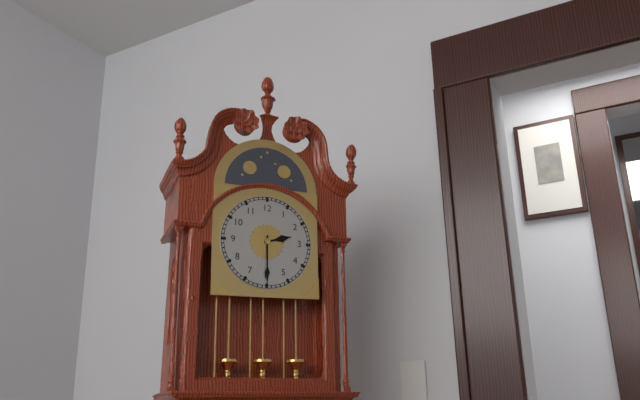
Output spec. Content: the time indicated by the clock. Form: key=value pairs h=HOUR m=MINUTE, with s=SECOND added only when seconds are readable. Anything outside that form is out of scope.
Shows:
h=2 m=30
